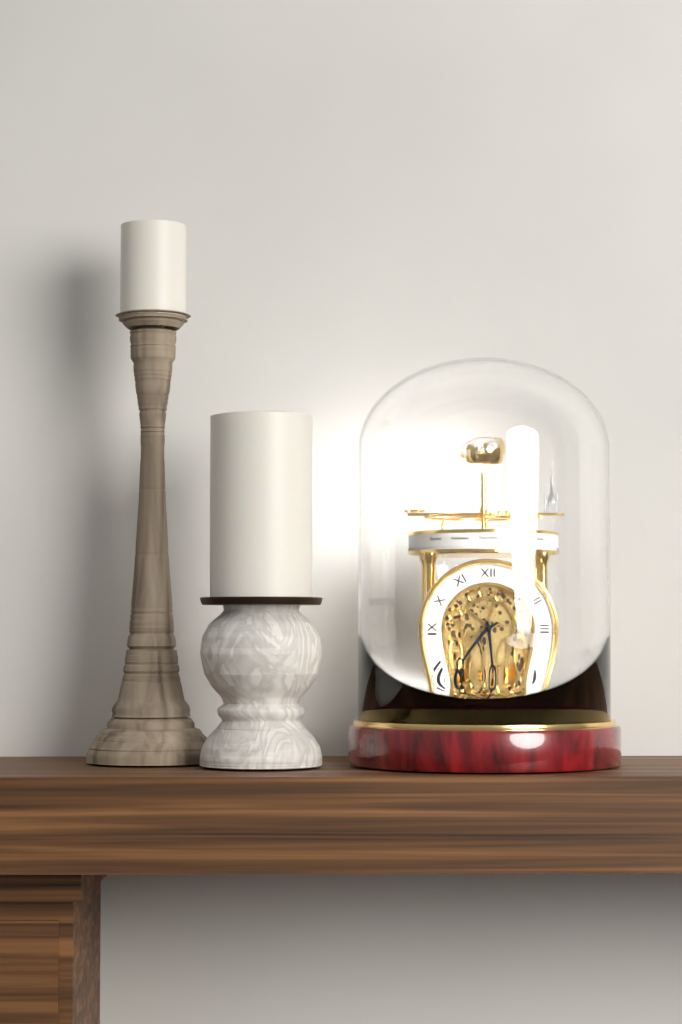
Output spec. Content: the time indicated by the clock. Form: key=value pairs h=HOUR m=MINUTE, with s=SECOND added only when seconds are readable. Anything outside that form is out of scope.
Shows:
h=5 m=39
